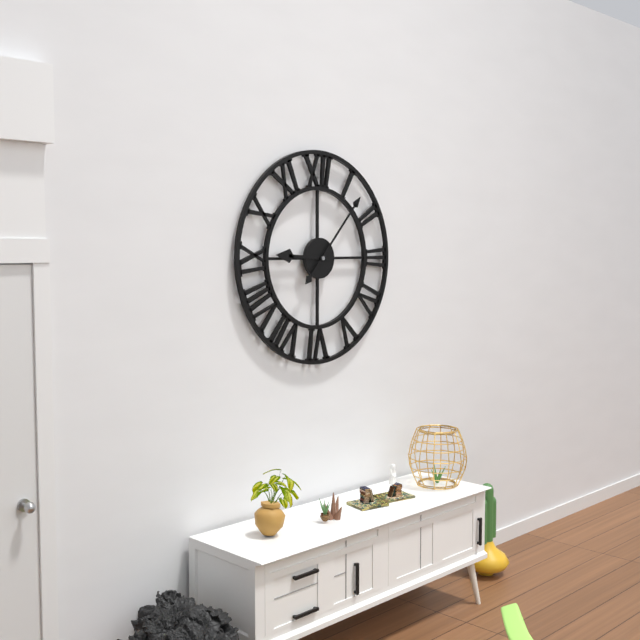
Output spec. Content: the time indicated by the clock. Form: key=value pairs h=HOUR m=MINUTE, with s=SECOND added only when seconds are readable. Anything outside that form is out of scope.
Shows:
h=9 m=7
